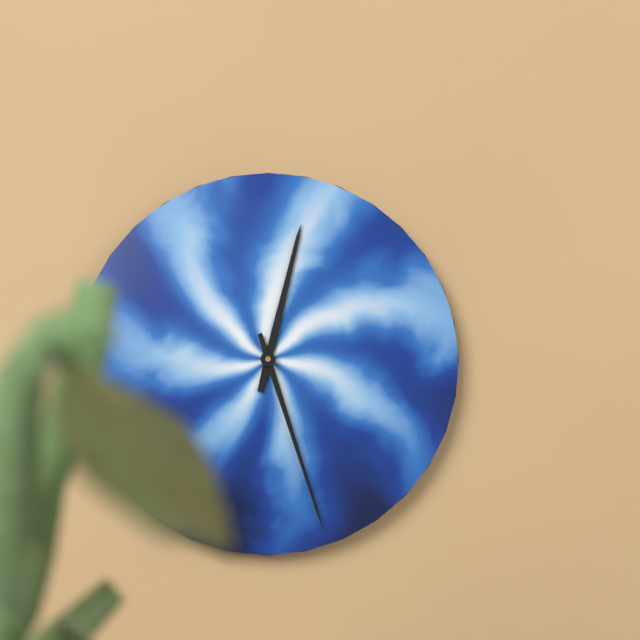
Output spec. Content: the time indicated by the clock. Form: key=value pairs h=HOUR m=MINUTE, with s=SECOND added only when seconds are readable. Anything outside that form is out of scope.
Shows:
h=12 m=27
